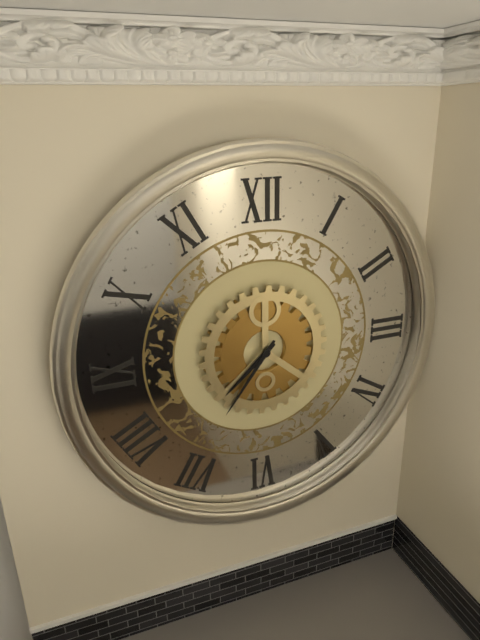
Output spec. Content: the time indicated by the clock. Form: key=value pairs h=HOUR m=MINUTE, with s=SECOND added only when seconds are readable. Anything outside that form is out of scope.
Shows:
h=7 m=36
